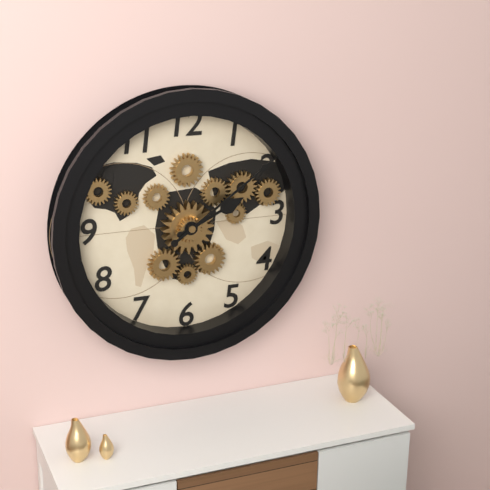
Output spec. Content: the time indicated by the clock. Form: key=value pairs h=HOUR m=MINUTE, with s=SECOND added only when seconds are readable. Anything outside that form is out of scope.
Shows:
h=2 m=9
